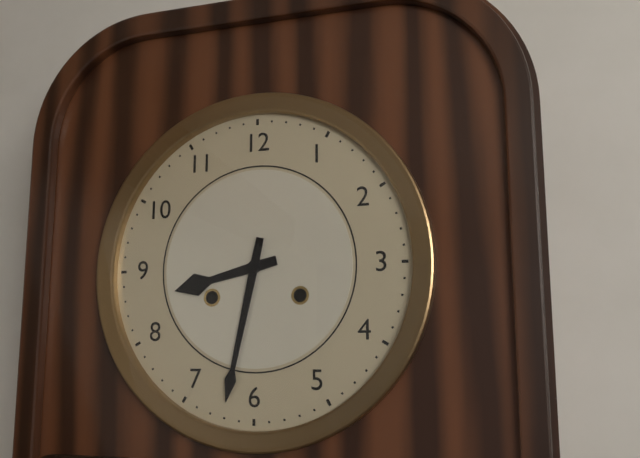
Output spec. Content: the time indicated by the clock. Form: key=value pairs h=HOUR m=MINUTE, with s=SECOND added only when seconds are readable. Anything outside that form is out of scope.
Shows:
h=8 m=32
